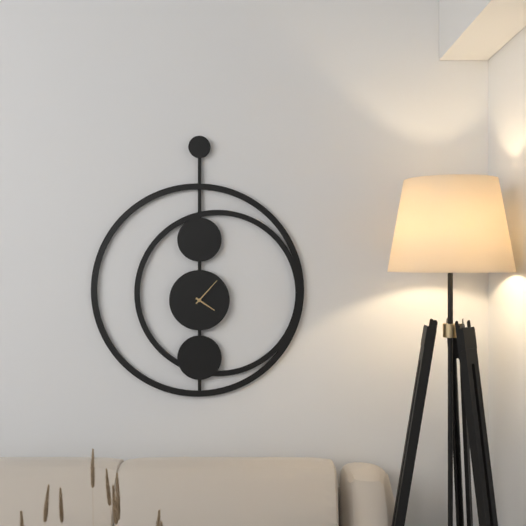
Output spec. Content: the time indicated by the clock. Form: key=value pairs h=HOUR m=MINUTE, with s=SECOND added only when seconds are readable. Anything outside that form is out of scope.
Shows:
h=4 m=7
